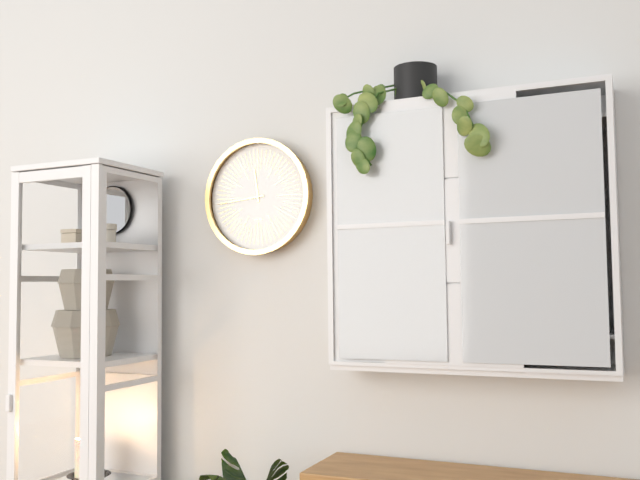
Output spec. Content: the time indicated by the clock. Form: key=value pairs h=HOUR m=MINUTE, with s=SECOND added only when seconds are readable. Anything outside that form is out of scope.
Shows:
h=11 m=44
